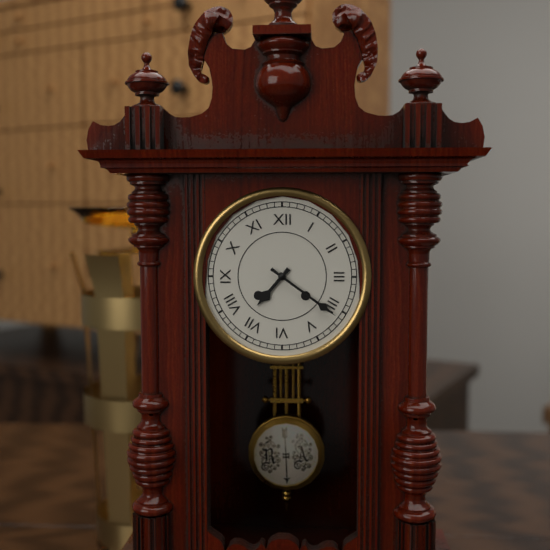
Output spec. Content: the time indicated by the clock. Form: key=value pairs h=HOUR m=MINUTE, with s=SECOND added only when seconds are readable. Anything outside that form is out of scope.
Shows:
h=7 m=21
